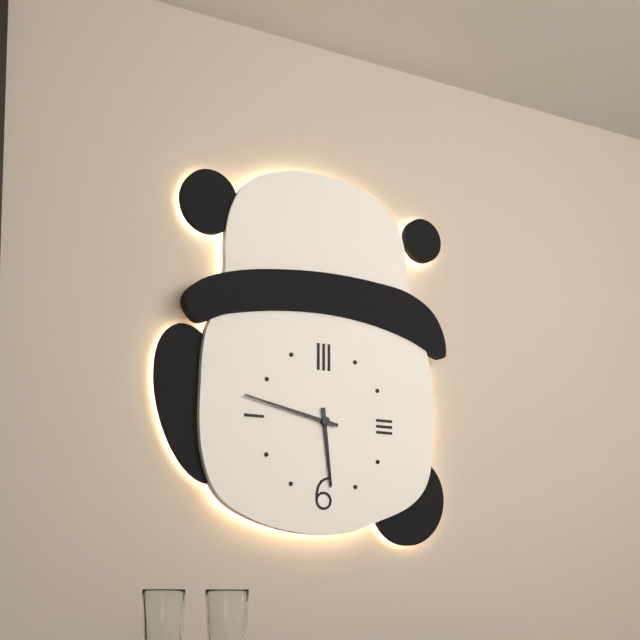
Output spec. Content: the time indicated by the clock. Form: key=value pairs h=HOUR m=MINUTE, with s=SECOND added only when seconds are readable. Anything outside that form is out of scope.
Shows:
h=5 m=47
